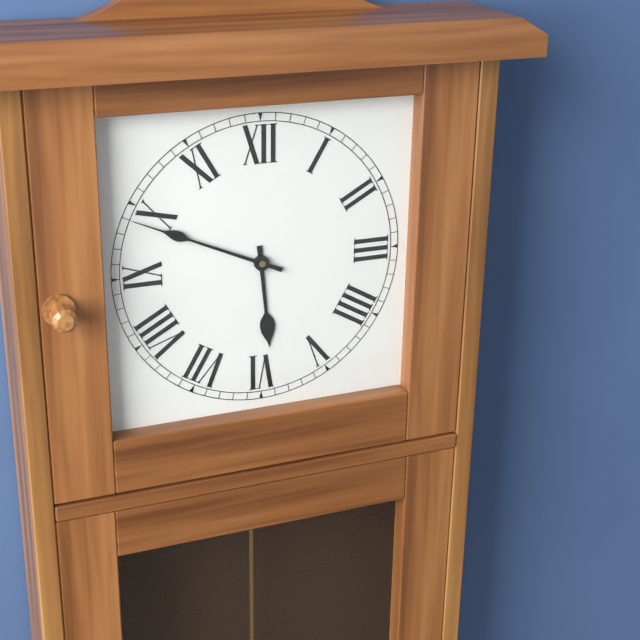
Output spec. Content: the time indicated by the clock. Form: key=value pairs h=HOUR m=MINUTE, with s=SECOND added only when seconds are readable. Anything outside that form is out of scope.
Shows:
h=5 m=49
